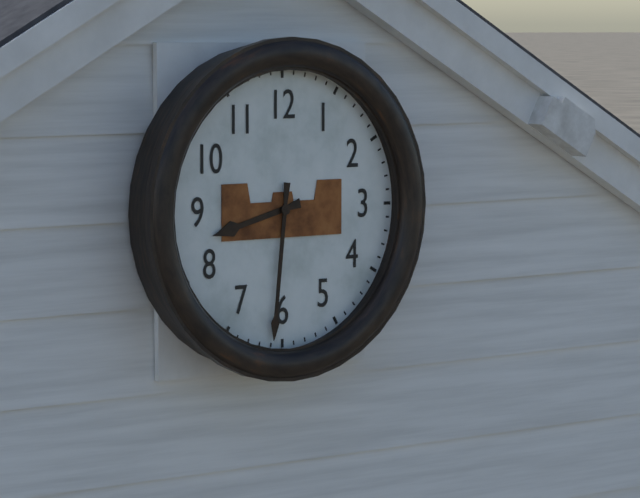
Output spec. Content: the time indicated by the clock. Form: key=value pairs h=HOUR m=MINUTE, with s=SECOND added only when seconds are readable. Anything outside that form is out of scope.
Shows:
h=8 m=31
